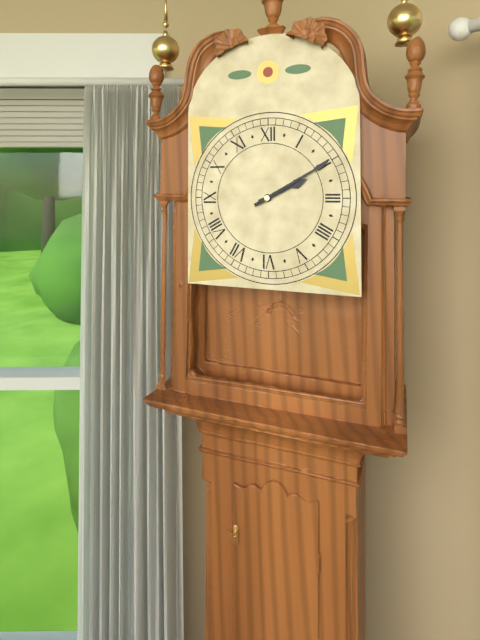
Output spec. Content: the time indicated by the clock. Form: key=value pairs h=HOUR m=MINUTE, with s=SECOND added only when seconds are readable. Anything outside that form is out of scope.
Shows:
h=2 m=10
